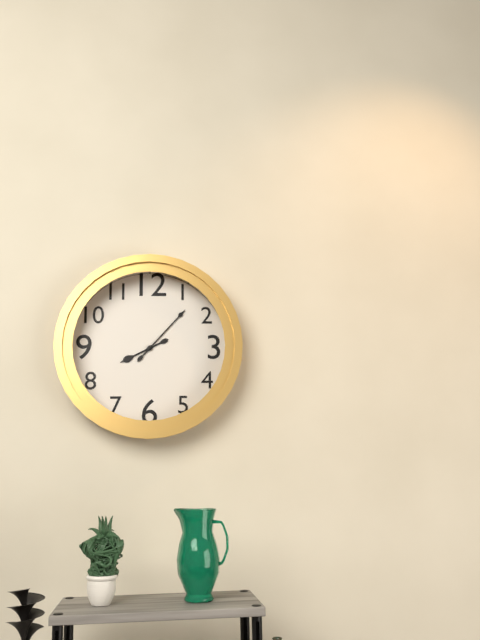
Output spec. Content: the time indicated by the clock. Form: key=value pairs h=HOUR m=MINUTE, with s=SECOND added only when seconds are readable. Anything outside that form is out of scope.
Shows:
h=8 m=7
